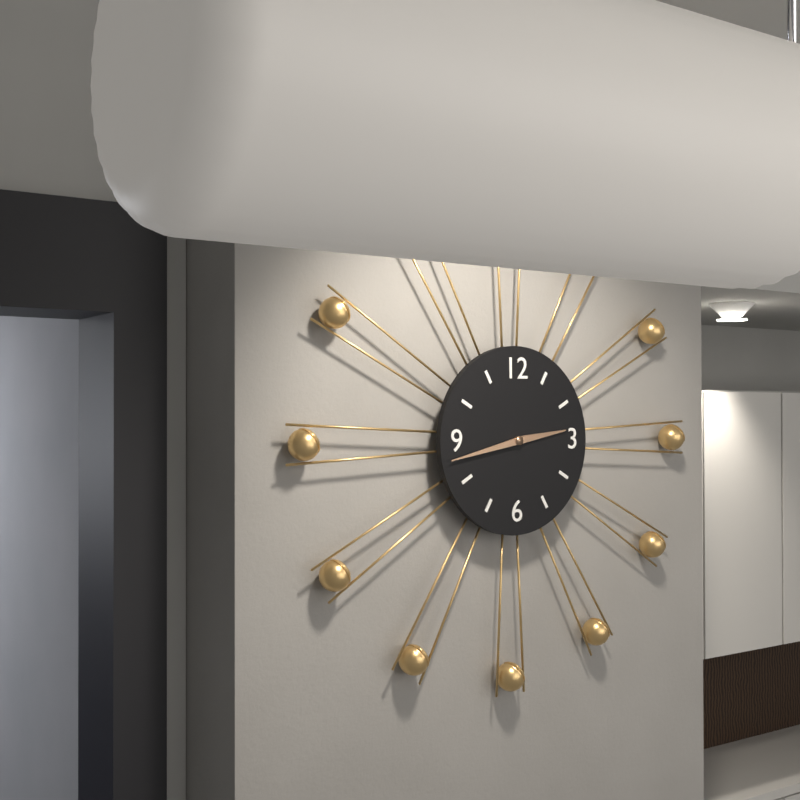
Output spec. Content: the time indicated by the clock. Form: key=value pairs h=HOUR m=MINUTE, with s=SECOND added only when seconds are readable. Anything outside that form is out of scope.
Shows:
h=2 m=43
